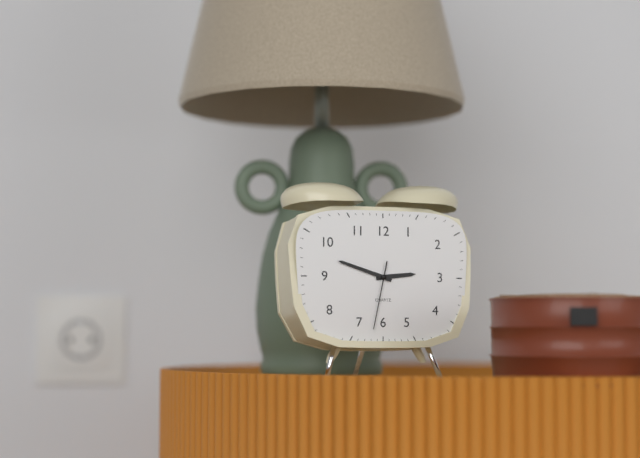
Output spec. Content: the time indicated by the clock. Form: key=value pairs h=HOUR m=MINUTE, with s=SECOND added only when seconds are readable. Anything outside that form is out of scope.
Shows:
h=2 m=48 s=32
